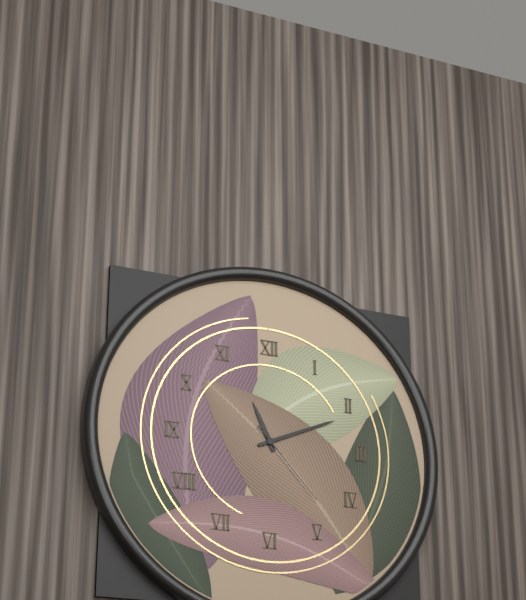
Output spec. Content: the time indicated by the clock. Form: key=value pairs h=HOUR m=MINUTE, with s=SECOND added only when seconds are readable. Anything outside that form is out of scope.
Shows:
h=11 m=11 s=23
